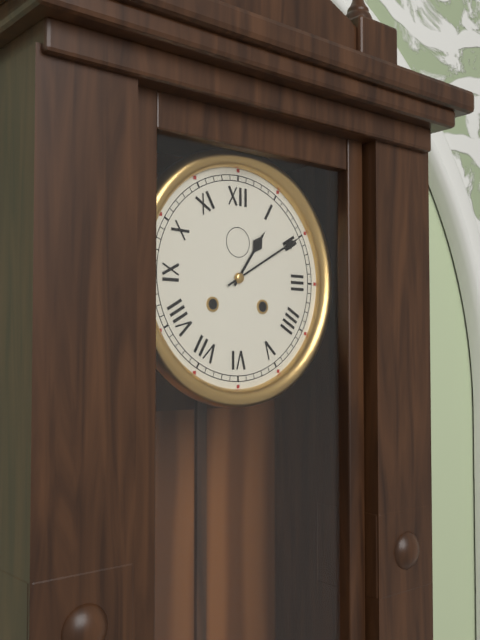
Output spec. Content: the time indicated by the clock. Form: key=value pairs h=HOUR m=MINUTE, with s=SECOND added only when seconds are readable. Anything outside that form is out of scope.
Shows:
h=1 m=10
